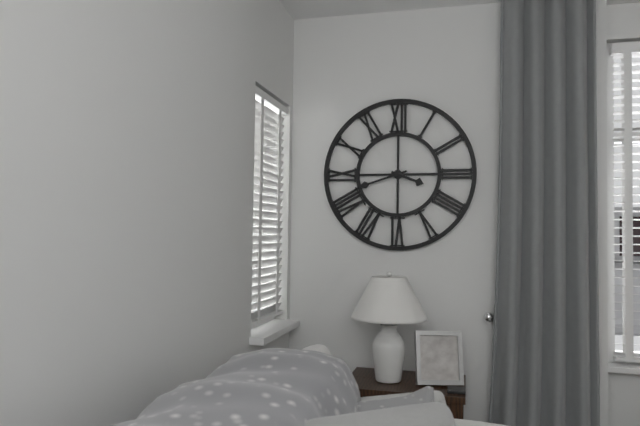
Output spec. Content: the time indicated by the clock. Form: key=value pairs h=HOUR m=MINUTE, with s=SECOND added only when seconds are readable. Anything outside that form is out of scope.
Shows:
h=3 m=42
